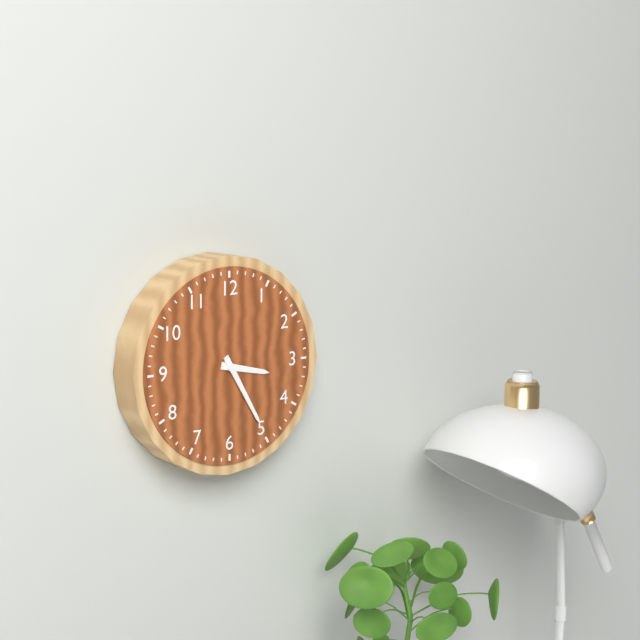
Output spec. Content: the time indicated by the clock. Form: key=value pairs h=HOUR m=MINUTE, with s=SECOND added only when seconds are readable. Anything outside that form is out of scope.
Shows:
h=3 m=25
